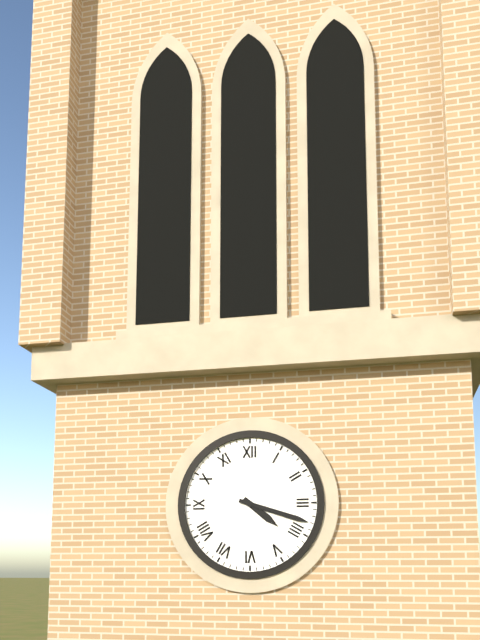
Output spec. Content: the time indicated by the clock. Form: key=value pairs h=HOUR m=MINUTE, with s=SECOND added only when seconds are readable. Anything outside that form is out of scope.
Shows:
h=4 m=18
